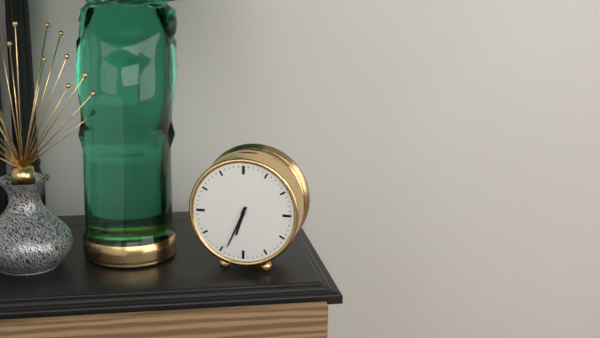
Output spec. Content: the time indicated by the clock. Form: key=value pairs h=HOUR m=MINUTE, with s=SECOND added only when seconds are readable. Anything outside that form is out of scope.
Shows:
h=6 m=34
